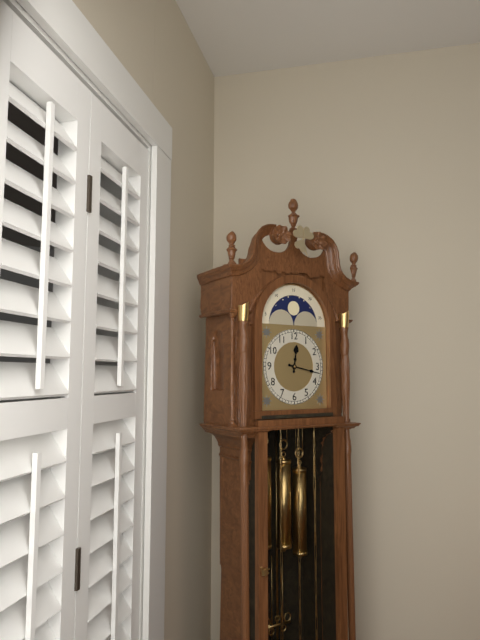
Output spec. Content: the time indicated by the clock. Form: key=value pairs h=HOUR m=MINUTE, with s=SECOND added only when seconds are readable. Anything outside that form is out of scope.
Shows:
h=12 m=17
